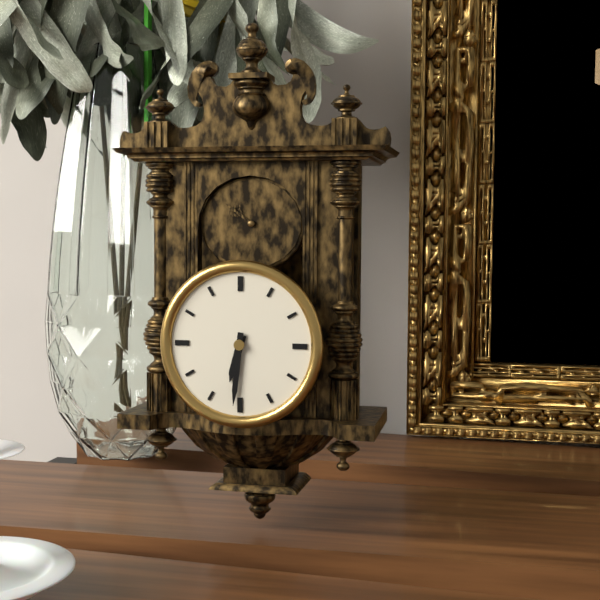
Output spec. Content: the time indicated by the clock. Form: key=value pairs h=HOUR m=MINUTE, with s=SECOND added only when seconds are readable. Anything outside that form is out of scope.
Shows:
h=6 m=31
